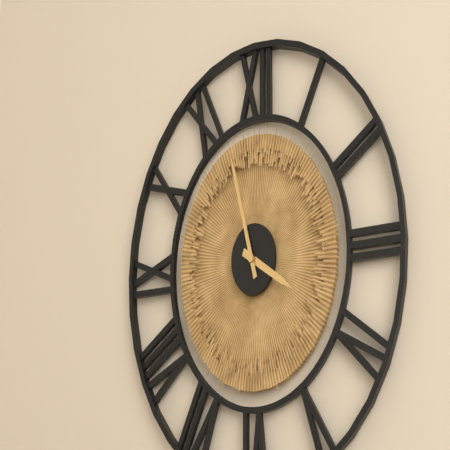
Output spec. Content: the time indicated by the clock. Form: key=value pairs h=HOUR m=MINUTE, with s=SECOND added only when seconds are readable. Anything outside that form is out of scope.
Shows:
h=3 m=57
